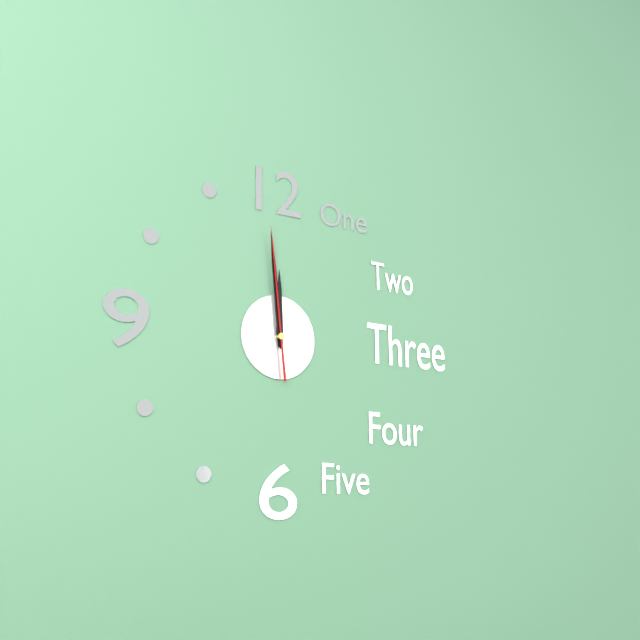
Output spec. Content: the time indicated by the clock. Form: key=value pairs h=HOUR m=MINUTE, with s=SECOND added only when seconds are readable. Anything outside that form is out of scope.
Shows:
h=11 m=59 s=59
